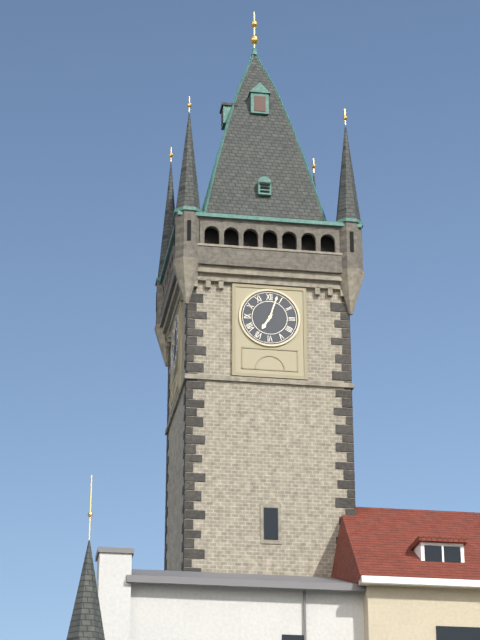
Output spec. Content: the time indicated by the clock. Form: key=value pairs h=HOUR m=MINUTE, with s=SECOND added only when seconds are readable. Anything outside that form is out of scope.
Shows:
h=7 m=3
